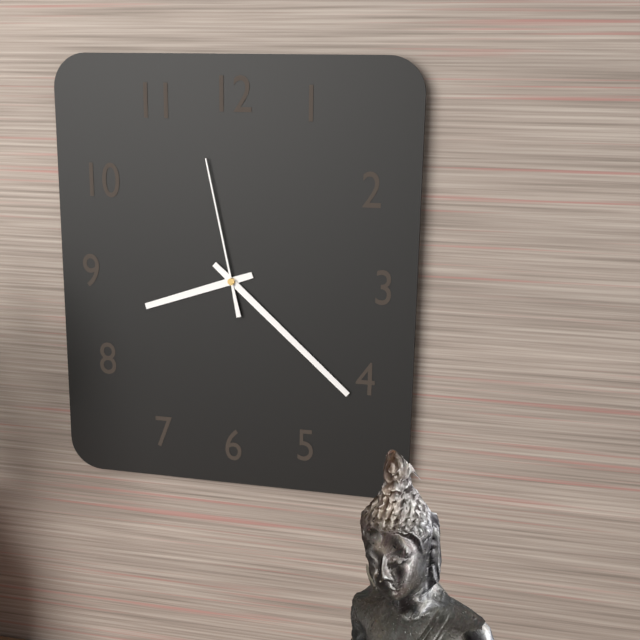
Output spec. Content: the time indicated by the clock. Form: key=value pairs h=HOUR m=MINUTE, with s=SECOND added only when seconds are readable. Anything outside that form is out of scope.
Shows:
h=8 m=22 s=58
